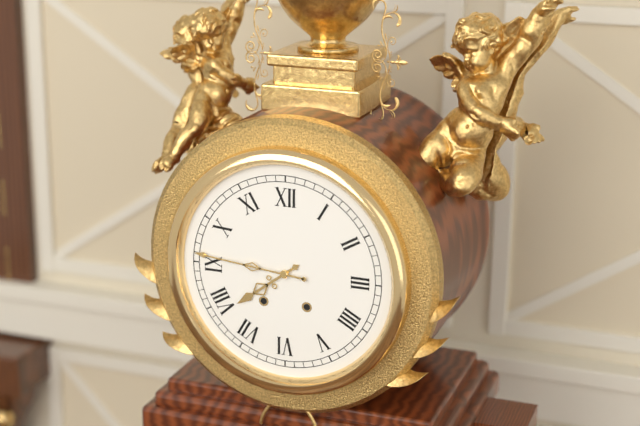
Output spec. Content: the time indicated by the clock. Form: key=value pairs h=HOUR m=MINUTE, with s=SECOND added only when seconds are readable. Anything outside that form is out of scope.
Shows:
h=7 m=46
